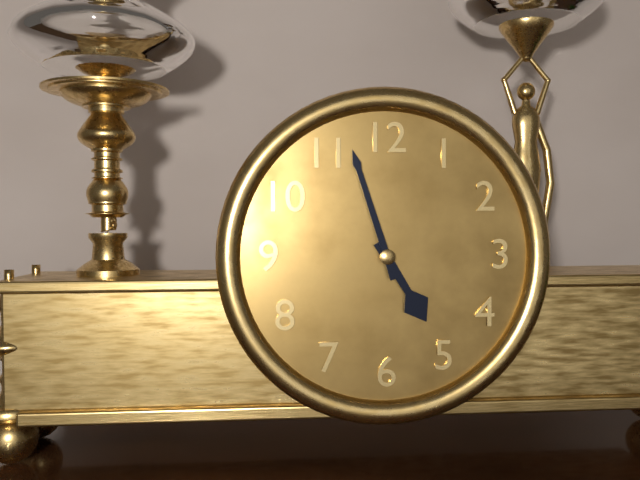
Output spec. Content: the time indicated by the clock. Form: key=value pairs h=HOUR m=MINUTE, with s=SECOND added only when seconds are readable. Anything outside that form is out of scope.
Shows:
h=4 m=57
